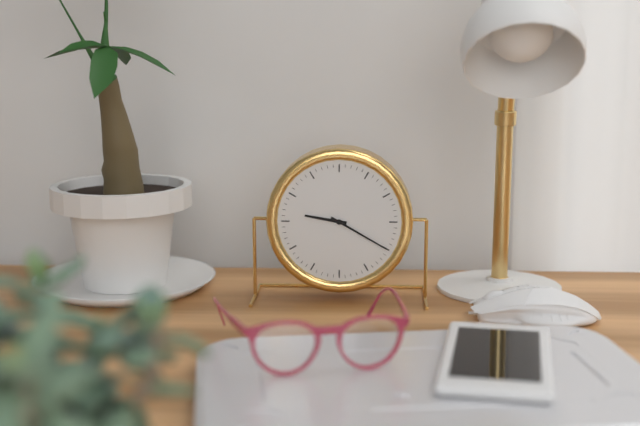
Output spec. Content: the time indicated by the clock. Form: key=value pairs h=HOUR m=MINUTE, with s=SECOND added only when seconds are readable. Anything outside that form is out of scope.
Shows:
h=9 m=20
